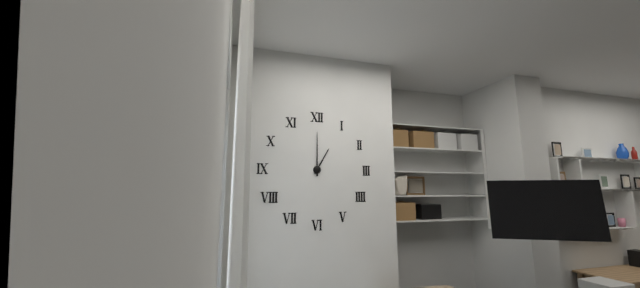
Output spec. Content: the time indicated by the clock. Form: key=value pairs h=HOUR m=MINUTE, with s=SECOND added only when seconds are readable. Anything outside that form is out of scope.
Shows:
h=1 m=0
